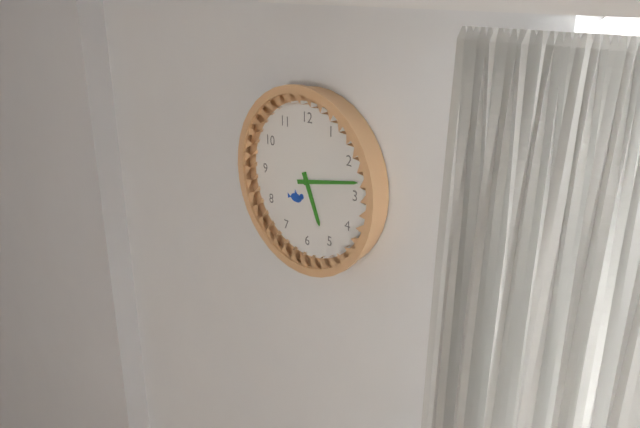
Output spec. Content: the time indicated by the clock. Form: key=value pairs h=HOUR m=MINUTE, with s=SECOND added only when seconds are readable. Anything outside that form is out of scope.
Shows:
h=5 m=13
